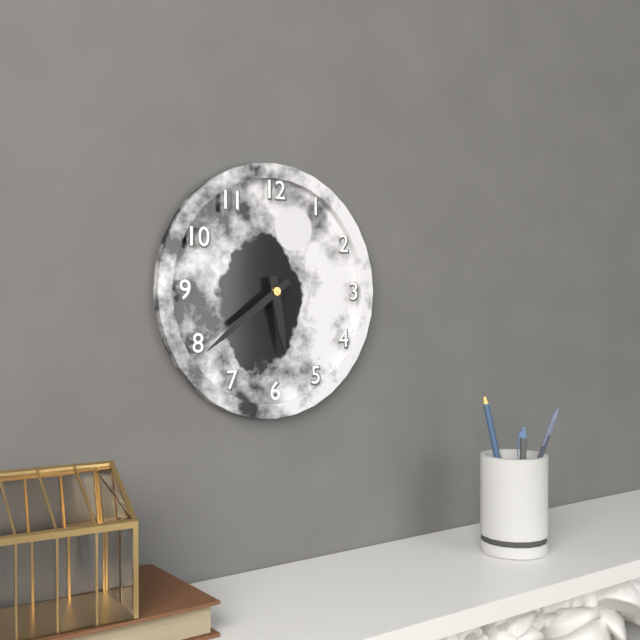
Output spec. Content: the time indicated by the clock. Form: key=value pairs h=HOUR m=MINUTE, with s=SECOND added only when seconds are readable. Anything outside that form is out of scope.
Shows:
h=5 m=39
